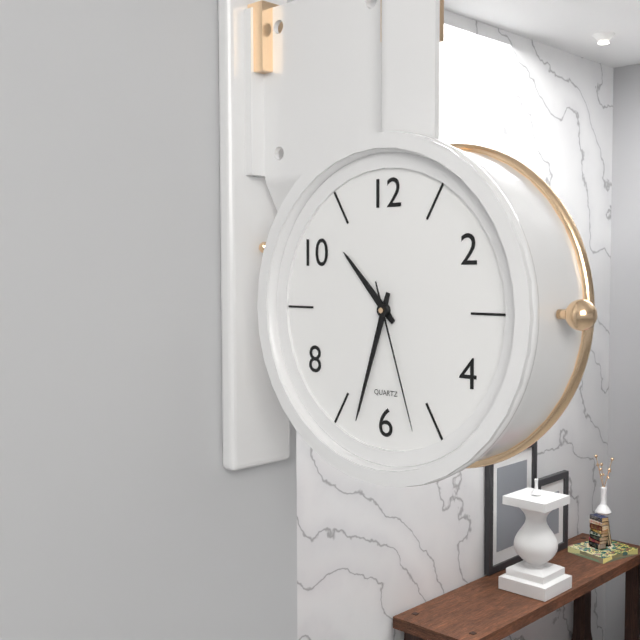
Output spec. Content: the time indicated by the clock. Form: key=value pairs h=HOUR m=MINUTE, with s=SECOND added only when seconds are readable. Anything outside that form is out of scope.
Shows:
h=10 m=33 s=27
